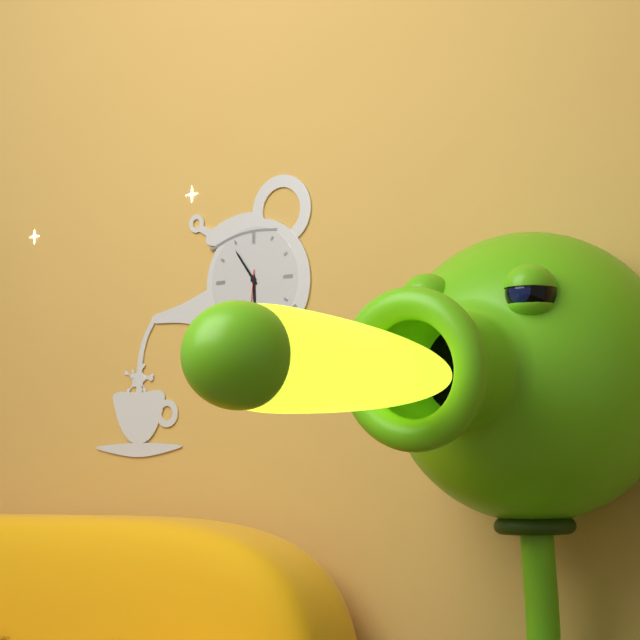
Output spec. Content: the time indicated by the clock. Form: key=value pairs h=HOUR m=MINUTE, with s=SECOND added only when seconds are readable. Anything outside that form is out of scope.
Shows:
h=5 m=54
